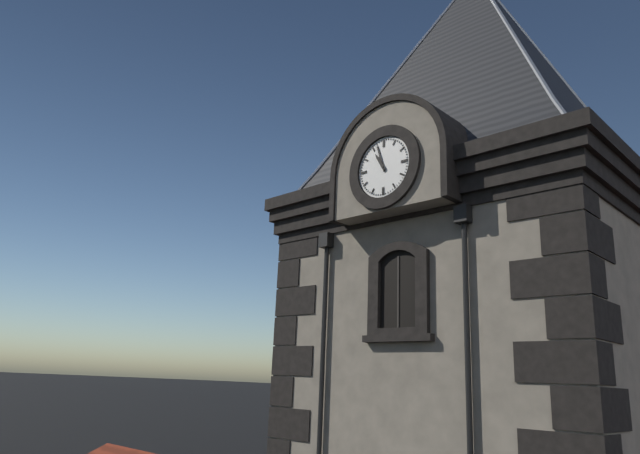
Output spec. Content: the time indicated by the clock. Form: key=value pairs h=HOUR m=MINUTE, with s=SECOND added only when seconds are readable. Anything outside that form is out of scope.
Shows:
h=10 m=57
